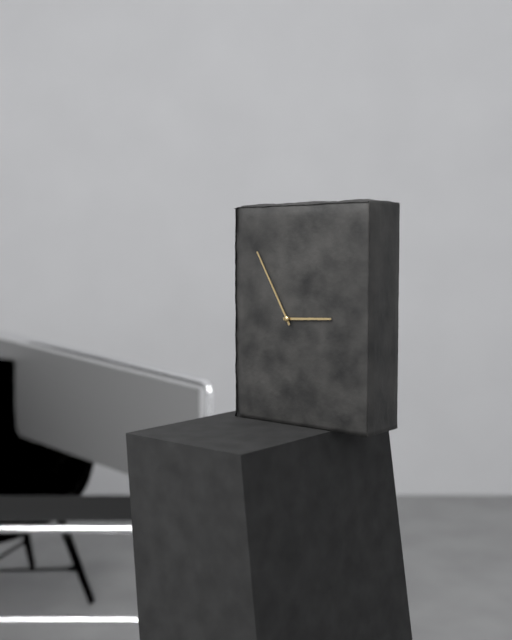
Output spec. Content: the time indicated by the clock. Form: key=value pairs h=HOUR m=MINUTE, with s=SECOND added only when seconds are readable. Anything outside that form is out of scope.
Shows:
h=2 m=55
